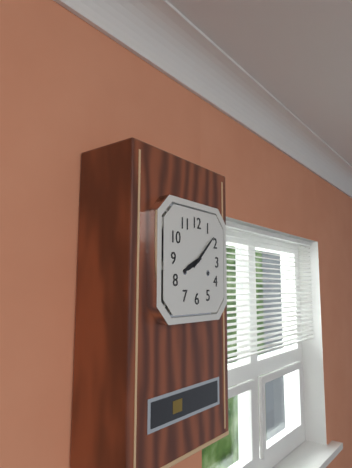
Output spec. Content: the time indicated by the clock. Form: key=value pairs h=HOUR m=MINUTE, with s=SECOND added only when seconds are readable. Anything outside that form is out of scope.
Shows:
h=8 m=8
